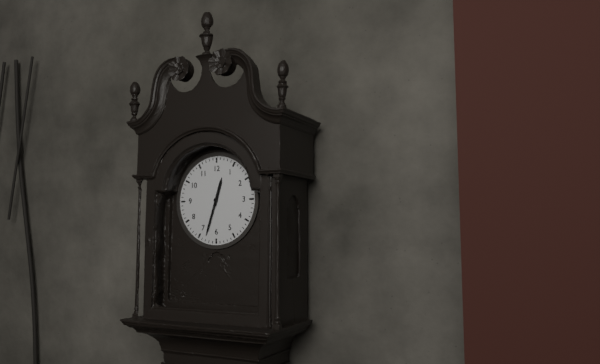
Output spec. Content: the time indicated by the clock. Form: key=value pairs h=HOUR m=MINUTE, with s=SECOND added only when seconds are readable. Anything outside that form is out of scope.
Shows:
h=12 m=33
